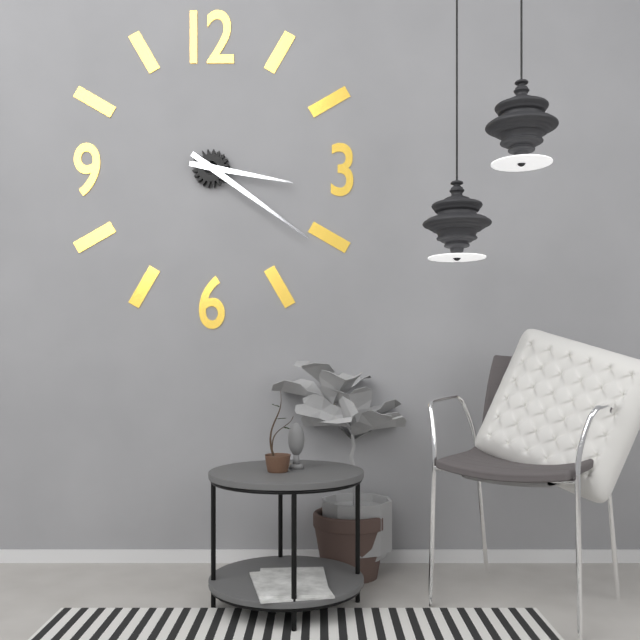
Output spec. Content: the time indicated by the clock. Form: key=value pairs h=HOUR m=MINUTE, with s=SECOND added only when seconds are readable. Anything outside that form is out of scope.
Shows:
h=3 m=21
